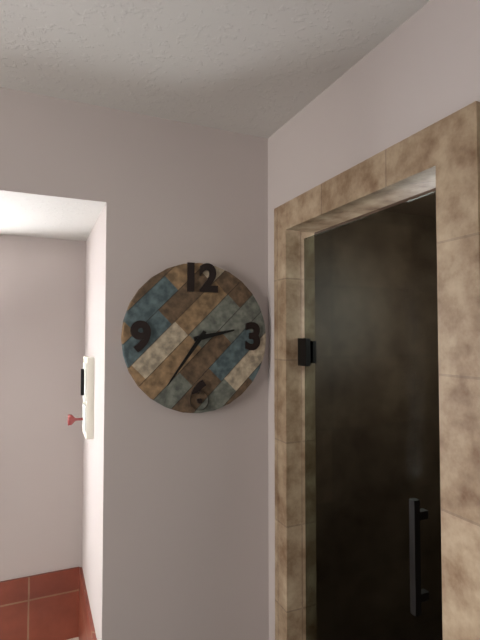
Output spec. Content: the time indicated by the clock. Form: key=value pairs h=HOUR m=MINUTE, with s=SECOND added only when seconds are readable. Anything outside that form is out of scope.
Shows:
h=2 m=36
